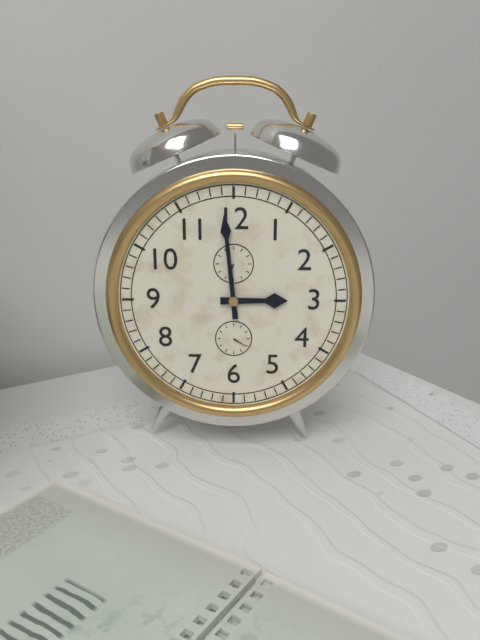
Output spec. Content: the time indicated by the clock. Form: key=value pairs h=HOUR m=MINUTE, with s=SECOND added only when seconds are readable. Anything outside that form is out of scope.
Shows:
h=2 m=59
